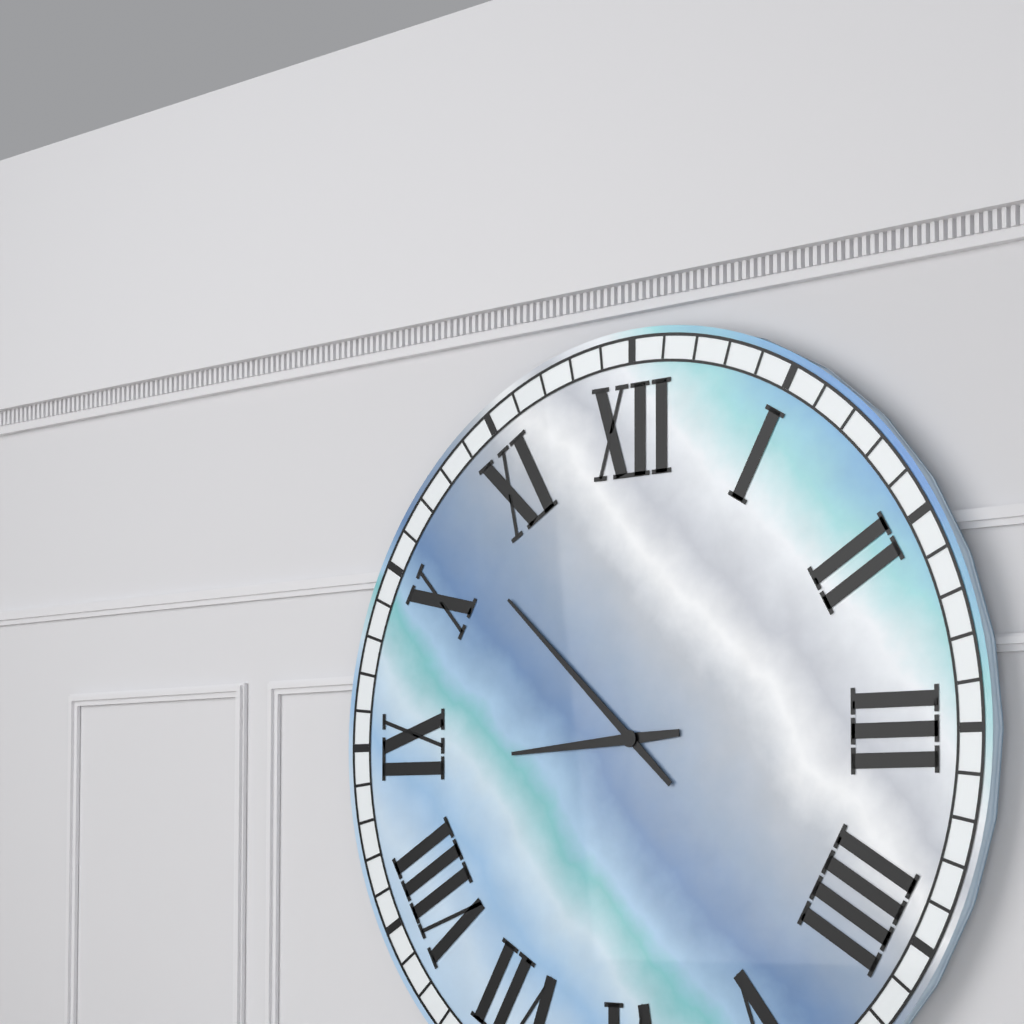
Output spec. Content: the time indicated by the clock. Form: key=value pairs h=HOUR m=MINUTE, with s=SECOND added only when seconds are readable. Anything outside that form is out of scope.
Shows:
h=8 m=52
